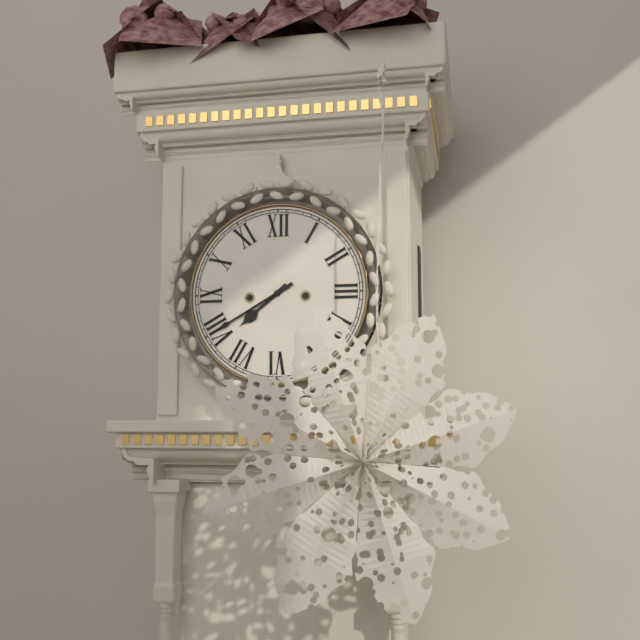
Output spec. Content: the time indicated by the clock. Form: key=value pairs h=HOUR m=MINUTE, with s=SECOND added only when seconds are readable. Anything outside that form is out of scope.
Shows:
h=7 m=40
